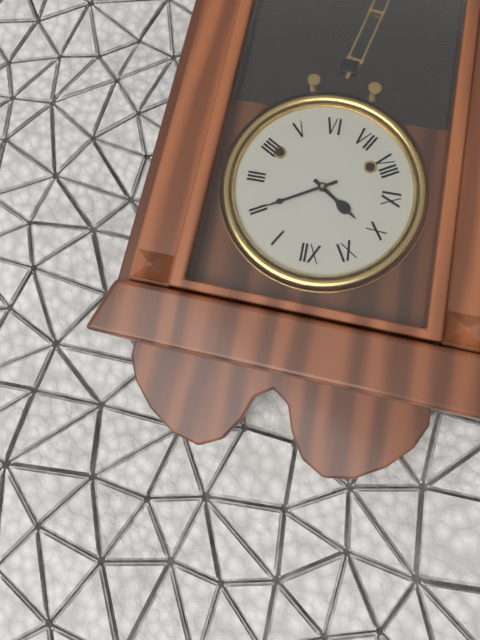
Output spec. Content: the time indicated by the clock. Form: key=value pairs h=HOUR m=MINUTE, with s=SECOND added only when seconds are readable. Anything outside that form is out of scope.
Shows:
h=10 m=10
